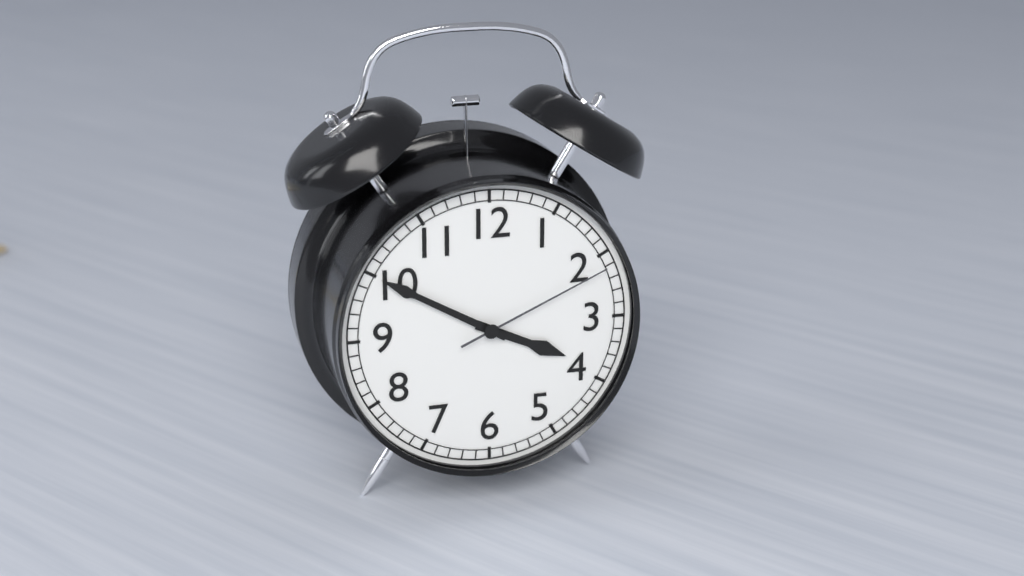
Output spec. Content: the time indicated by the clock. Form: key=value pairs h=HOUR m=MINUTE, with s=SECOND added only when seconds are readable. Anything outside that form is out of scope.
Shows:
h=3 m=50 s=11
